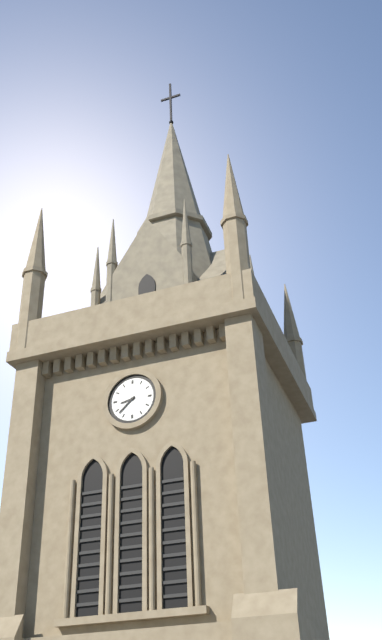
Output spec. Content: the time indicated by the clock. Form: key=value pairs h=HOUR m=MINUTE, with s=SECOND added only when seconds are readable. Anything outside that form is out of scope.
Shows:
h=8 m=38
